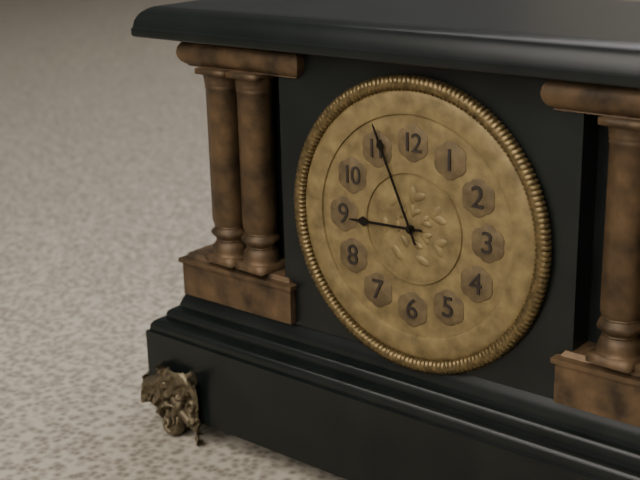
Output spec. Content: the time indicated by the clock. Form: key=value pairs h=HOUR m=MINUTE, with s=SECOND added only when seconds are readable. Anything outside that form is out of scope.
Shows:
h=8 m=56
